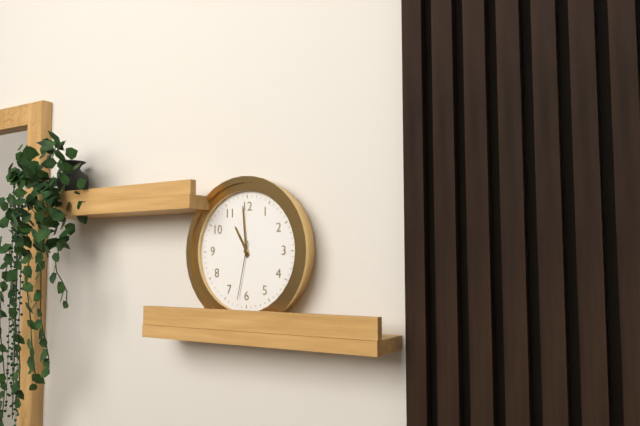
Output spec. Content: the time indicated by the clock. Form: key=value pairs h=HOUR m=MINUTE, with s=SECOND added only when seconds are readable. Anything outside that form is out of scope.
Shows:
h=10 m=59 s=32
